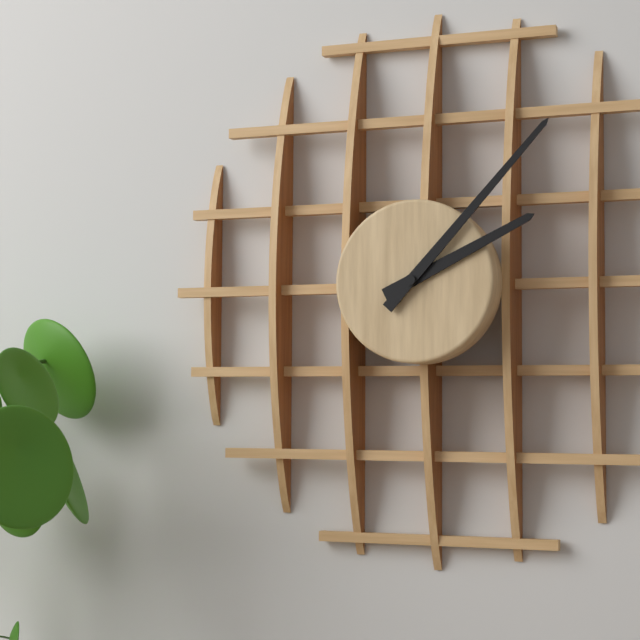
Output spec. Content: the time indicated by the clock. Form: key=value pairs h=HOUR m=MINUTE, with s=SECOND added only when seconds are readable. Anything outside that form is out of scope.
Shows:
h=2 m=7
